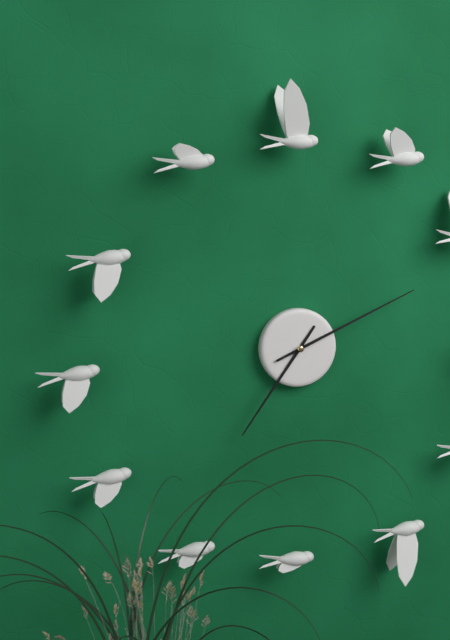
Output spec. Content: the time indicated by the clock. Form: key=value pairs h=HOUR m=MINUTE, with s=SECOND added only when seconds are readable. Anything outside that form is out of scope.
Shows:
h=7 m=11
